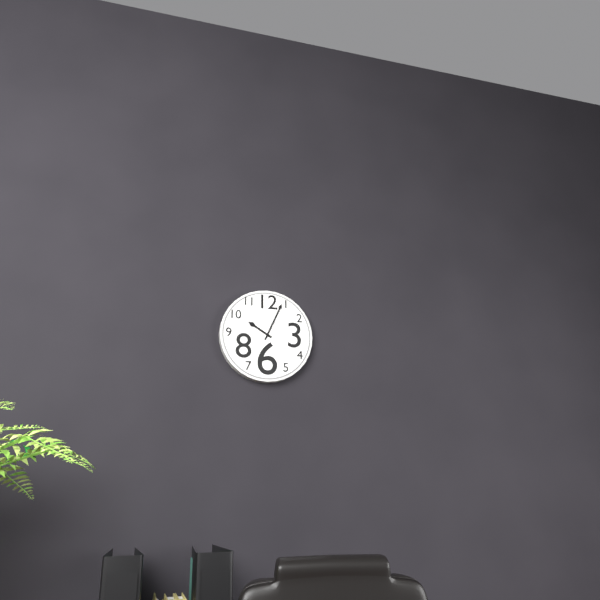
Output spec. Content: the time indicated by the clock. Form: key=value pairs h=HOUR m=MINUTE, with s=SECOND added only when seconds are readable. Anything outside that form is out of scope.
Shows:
h=10 m=4
